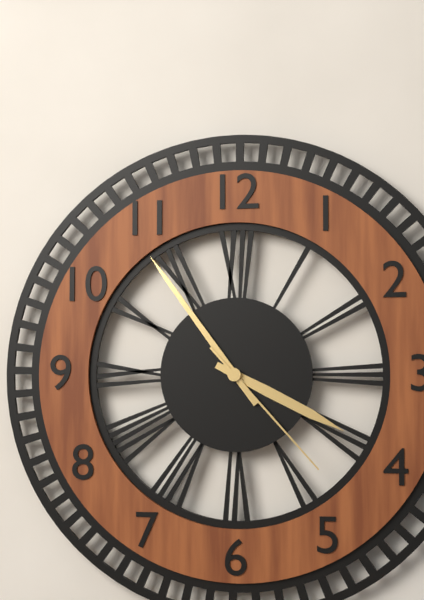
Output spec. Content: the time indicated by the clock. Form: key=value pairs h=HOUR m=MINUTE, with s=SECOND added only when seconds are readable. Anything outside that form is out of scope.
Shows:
h=3 m=54 s=23
